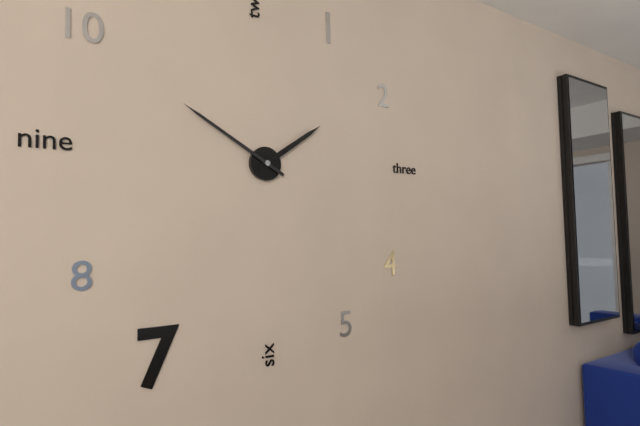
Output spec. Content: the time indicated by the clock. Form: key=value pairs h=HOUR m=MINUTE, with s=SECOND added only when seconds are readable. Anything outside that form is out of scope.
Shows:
h=1 m=50
